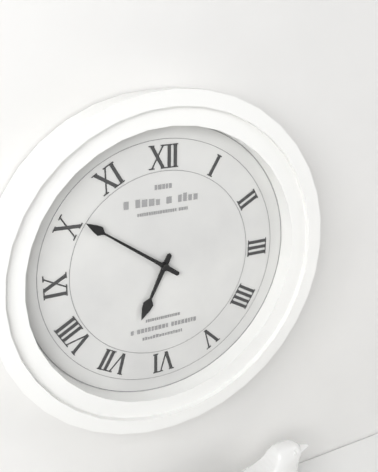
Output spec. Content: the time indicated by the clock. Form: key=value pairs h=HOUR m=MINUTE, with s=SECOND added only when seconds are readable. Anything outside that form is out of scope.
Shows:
h=6 m=51
